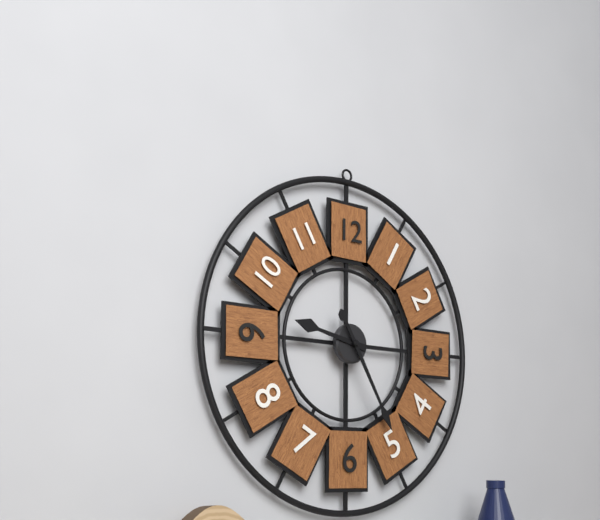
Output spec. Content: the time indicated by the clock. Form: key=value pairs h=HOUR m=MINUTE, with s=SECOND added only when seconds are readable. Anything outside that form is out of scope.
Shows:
h=9 m=25
